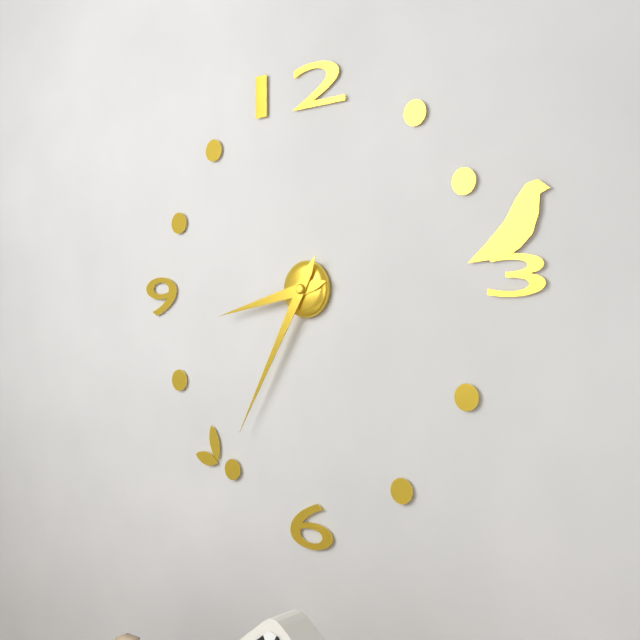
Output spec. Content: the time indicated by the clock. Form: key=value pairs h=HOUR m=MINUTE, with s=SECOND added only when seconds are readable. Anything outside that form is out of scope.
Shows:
h=8 m=35
